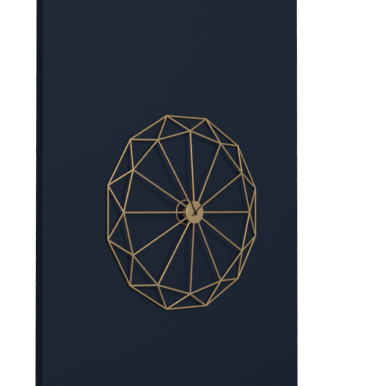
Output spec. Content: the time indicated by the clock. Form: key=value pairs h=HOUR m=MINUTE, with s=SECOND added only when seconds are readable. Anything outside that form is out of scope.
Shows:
h=11 m=8
